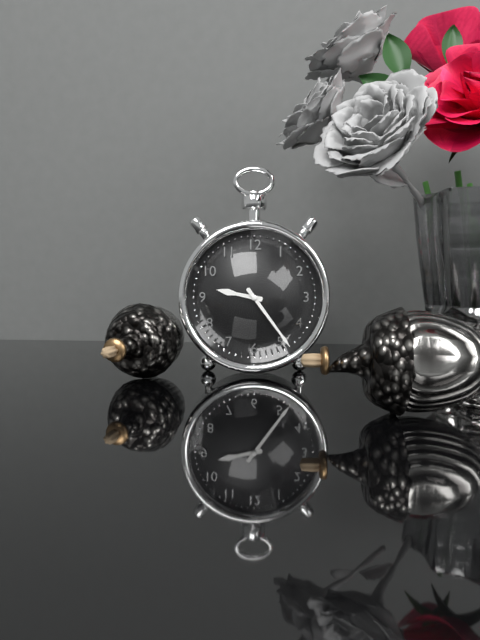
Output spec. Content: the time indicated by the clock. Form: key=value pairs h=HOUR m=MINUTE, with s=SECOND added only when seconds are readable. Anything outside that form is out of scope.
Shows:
h=9 m=24
